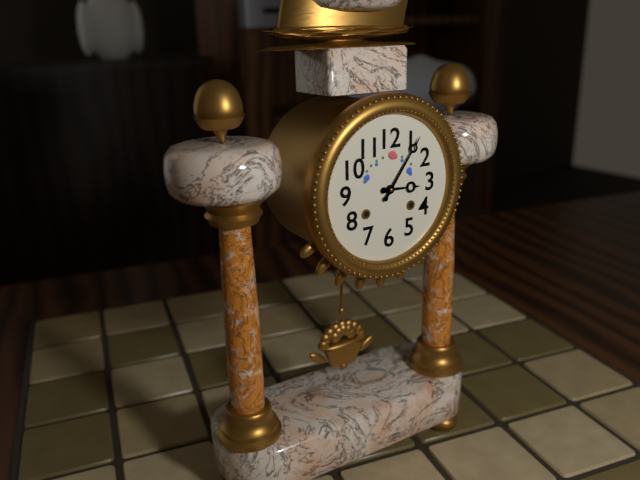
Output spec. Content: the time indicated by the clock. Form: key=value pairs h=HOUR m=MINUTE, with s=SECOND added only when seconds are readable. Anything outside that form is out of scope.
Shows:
h=3 m=6
